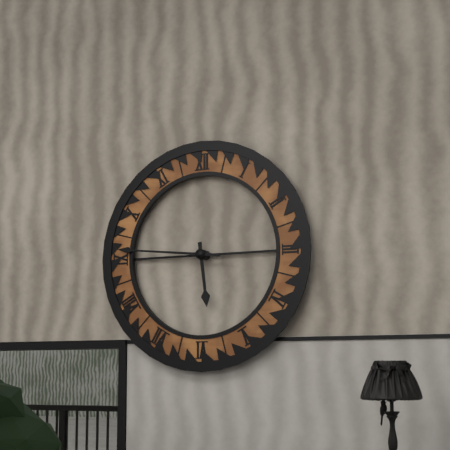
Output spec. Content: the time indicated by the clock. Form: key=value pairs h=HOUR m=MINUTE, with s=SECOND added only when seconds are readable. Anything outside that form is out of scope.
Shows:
h=5 m=46
